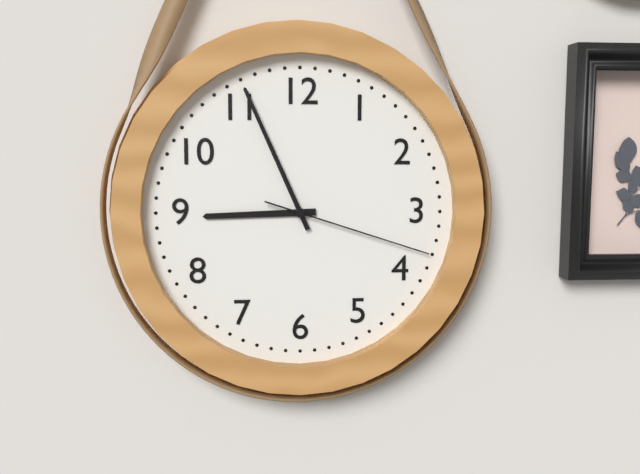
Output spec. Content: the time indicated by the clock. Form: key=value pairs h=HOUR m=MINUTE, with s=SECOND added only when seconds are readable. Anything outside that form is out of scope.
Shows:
h=8 m=56 s=18
